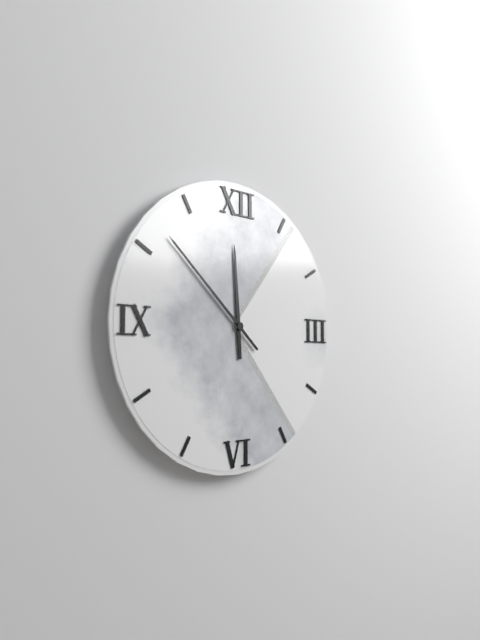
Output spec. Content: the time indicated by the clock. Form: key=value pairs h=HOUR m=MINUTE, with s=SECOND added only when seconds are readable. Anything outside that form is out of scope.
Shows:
h=11 m=52
